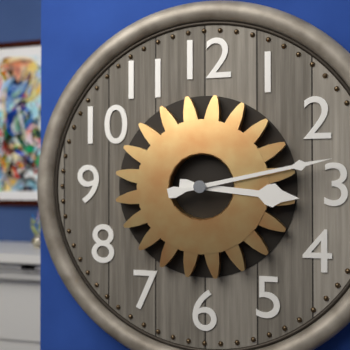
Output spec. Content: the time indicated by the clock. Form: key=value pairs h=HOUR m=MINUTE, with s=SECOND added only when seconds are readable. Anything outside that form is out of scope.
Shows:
h=3 m=13
